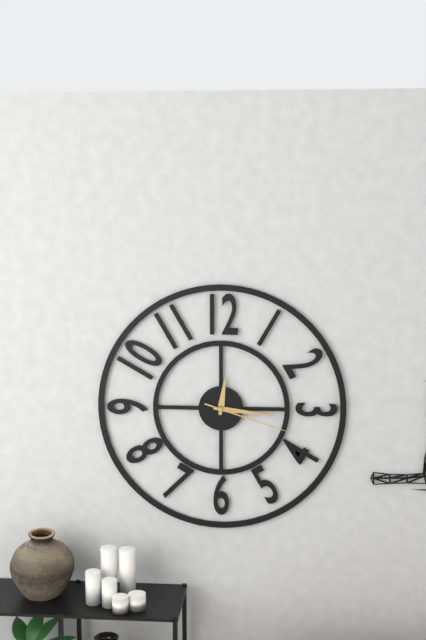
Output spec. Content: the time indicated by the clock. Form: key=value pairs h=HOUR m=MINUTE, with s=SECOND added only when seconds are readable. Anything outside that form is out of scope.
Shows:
h=12 m=16 s=18
